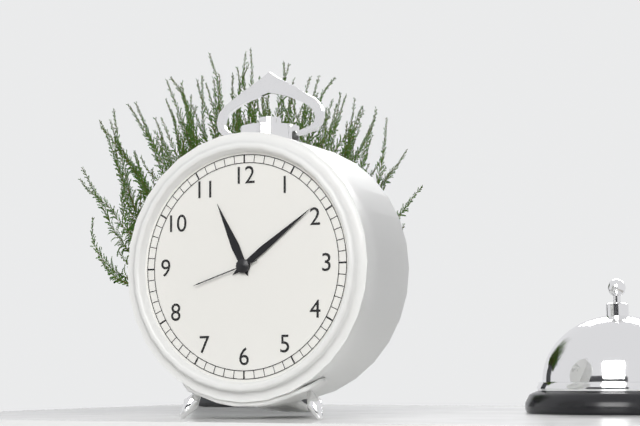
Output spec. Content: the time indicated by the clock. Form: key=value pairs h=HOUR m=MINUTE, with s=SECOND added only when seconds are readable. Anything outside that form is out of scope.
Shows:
h=11 m=9 s=42
